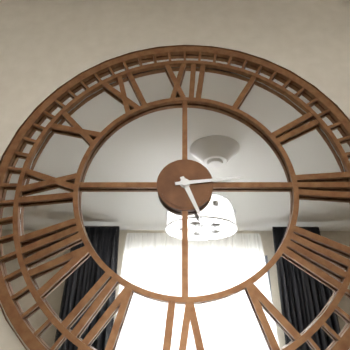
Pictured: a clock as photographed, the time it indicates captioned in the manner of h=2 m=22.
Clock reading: h=5 m=14
